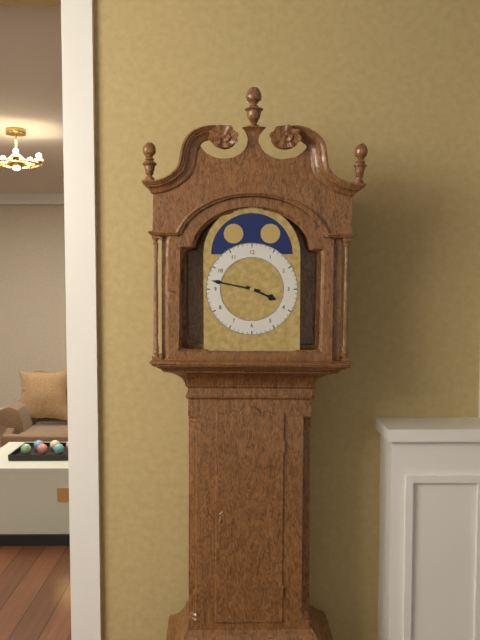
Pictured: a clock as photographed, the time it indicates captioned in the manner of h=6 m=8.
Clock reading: h=3 m=47
